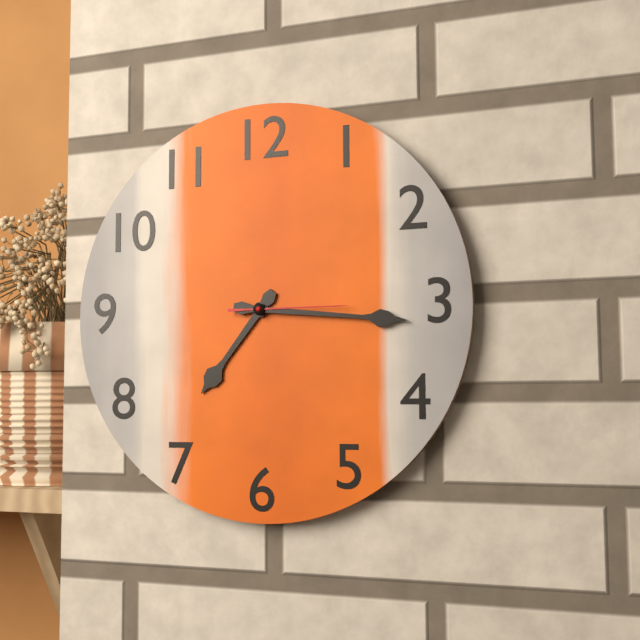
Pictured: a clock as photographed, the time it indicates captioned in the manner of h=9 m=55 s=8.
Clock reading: h=7 m=16 s=15
